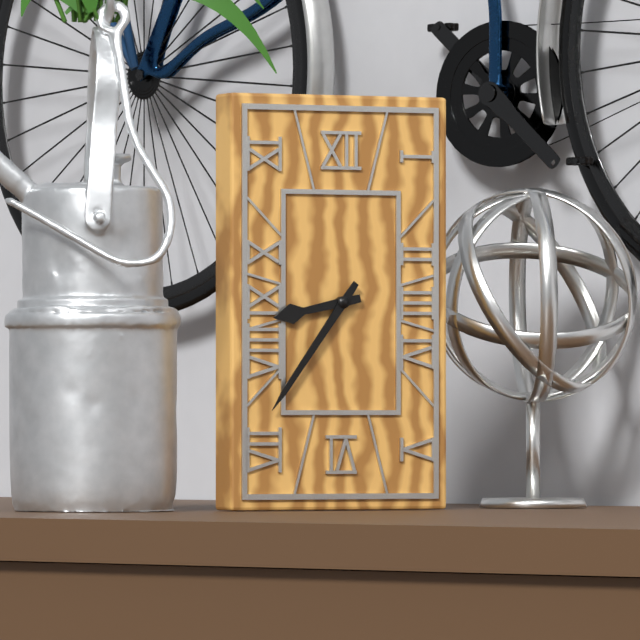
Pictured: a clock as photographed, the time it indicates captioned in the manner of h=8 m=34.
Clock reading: h=8 m=36
